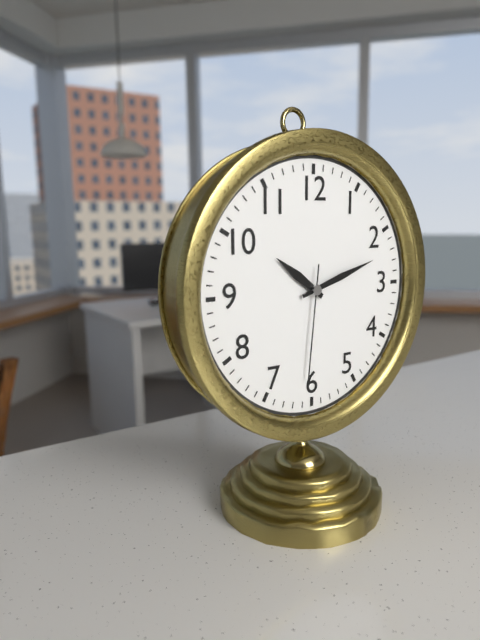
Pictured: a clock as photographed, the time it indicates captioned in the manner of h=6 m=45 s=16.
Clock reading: h=10 m=12 s=31
